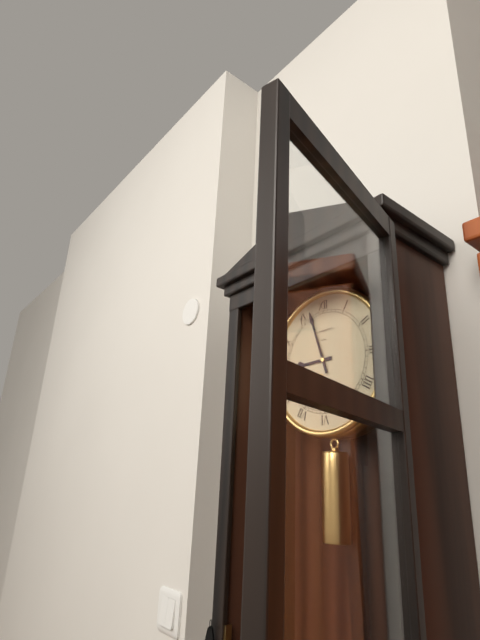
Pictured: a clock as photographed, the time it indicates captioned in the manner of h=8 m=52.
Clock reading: h=8 m=57
